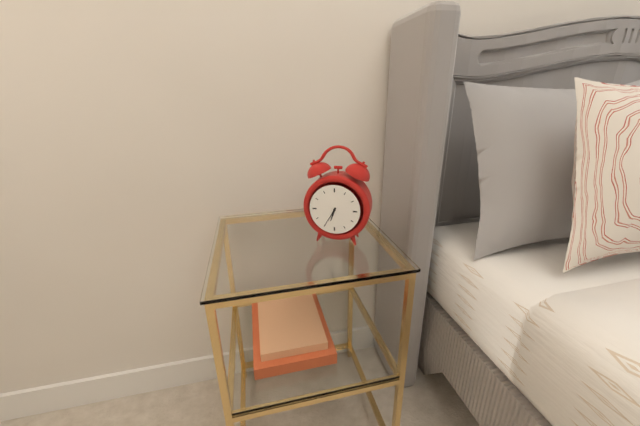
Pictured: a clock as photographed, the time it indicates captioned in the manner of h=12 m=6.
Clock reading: h=6 m=35
